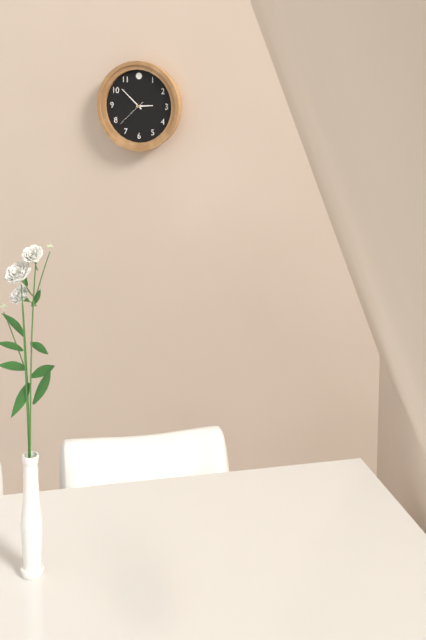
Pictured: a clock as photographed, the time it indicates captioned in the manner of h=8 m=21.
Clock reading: h=2 m=52
